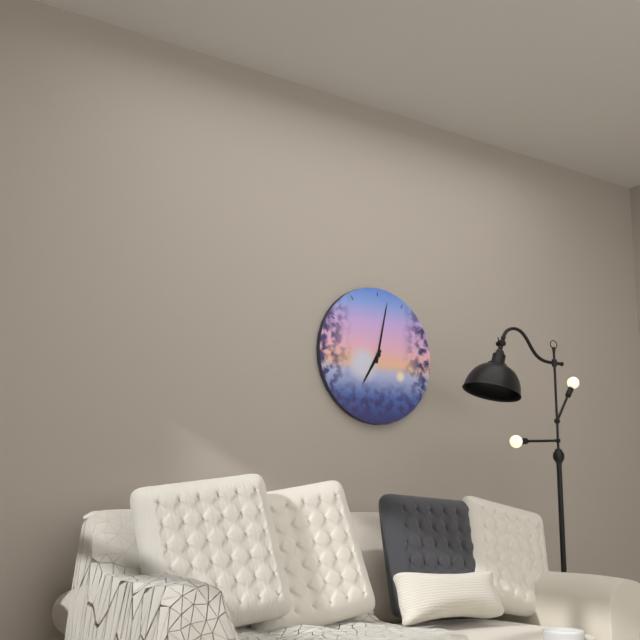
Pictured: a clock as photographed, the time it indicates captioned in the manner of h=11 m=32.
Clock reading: h=7 m=2
